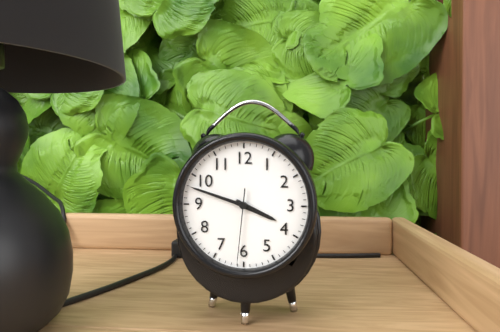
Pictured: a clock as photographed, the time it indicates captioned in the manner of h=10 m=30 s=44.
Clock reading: h=3 m=48 s=31
